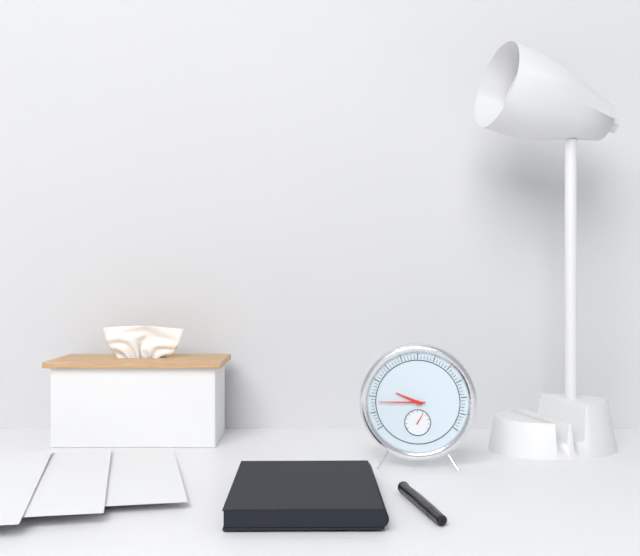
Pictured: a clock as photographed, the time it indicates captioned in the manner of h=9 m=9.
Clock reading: h=9 m=45
